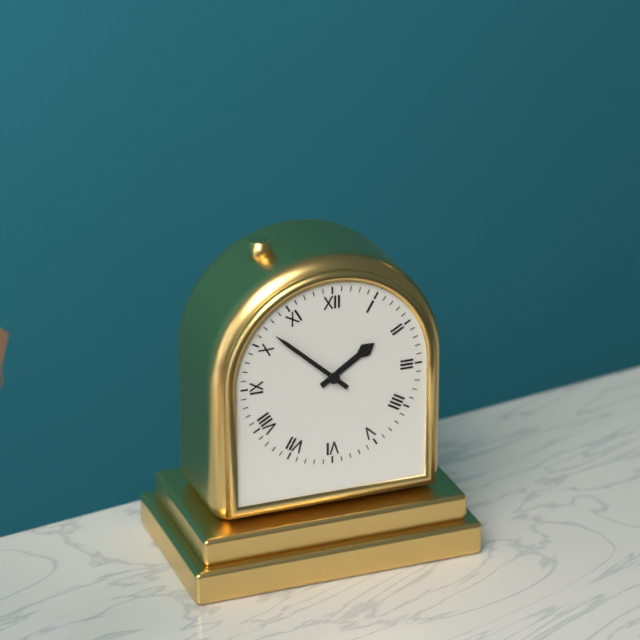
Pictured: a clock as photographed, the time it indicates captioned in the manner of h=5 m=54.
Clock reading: h=1 m=52
